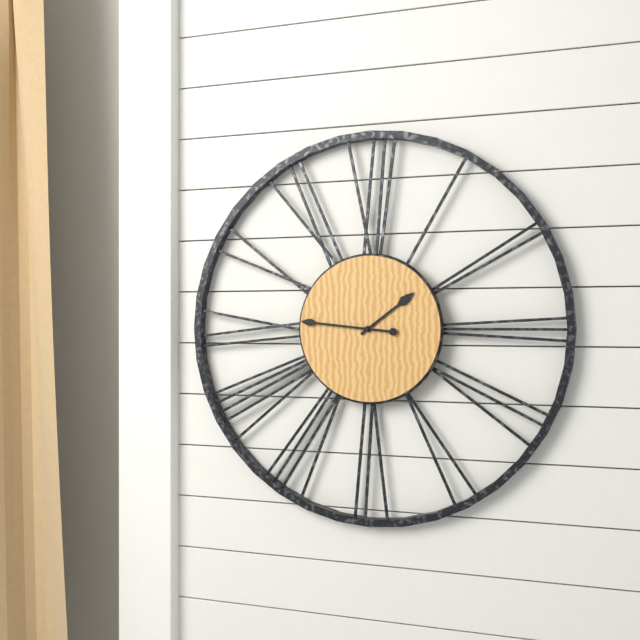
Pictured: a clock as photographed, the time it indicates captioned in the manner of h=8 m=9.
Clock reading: h=1 m=46
